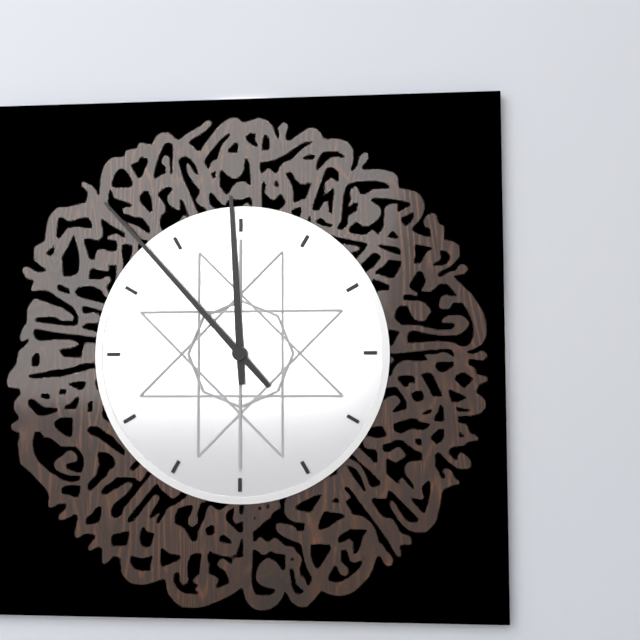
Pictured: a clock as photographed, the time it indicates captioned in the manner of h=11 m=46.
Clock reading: h=11 m=53
